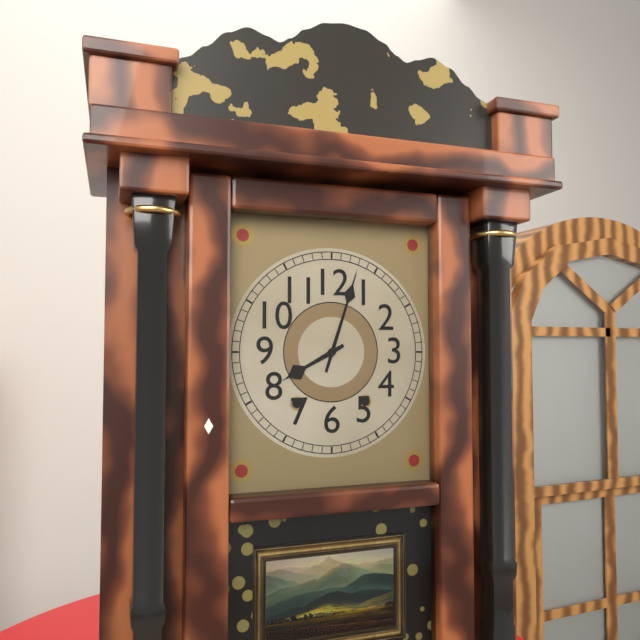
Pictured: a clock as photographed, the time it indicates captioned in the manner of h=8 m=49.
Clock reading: h=8 m=3
